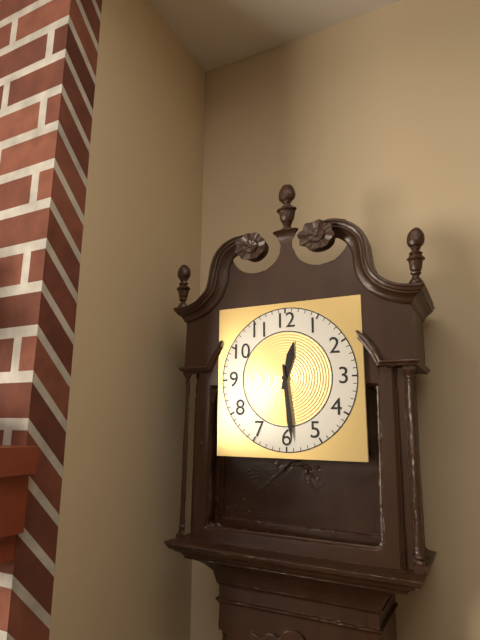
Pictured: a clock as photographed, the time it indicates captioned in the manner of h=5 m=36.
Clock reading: h=12 m=29
